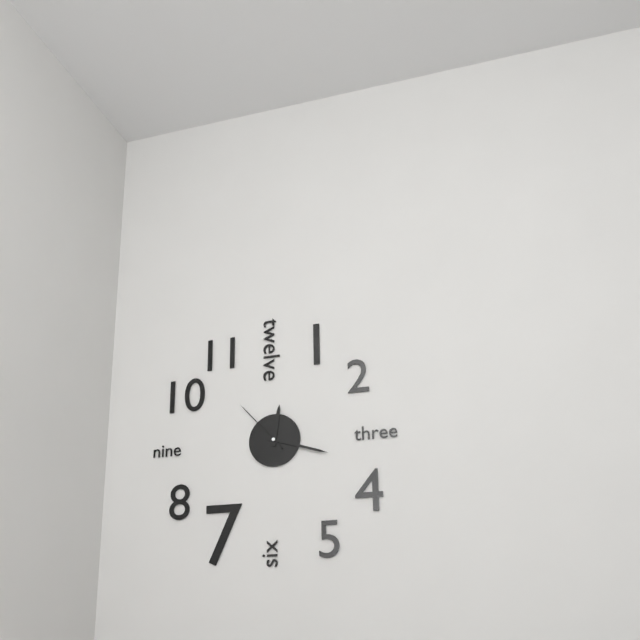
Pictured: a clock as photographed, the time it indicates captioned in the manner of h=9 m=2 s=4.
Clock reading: h=12 m=18 s=53
